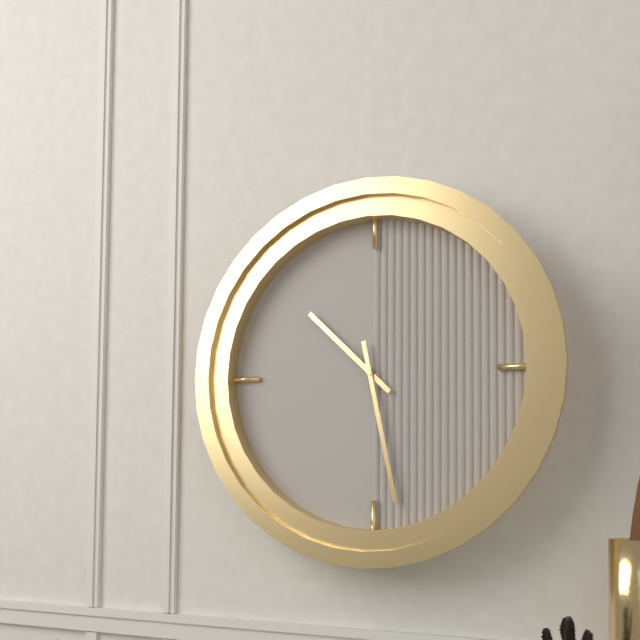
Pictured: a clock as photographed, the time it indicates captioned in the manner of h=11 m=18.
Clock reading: h=10 m=28
